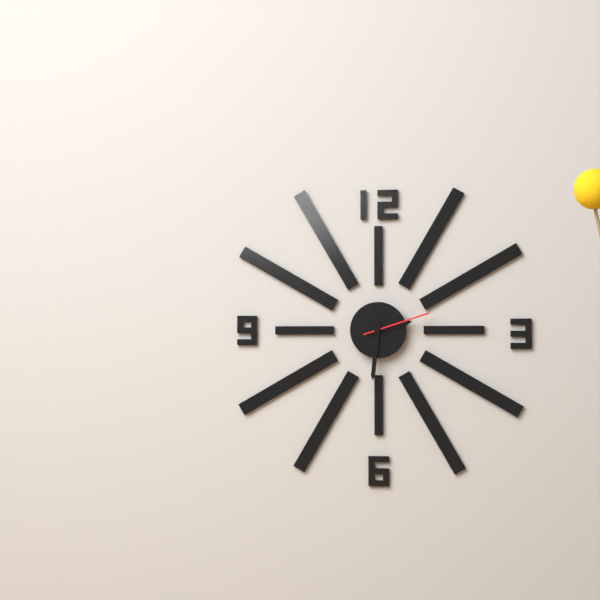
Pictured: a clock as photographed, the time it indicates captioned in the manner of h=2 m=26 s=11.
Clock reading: h=2 m=31 s=12
